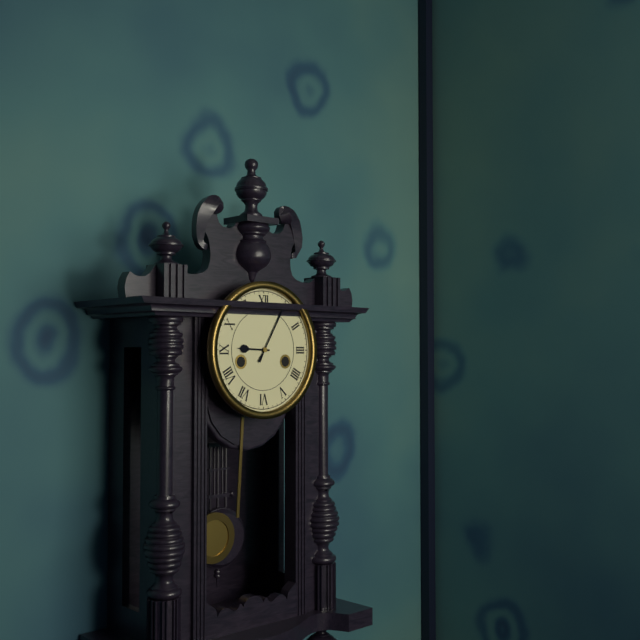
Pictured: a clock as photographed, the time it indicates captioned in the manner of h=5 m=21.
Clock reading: h=9 m=5
